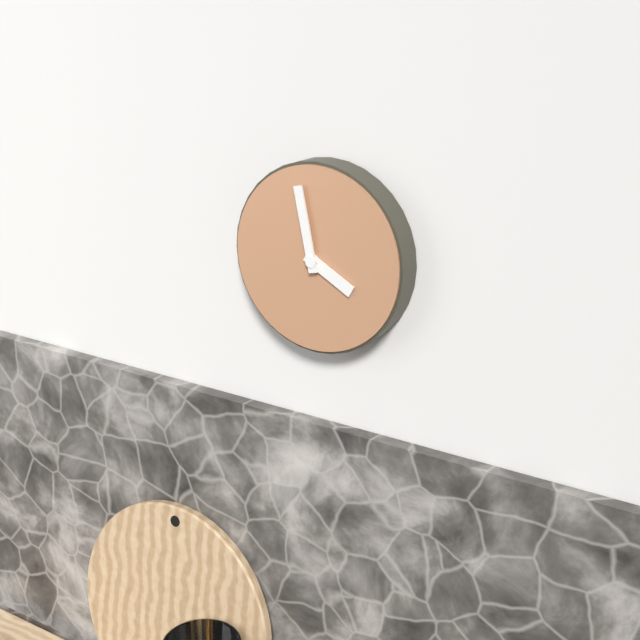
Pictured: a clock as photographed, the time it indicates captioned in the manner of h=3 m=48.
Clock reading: h=3 m=58
